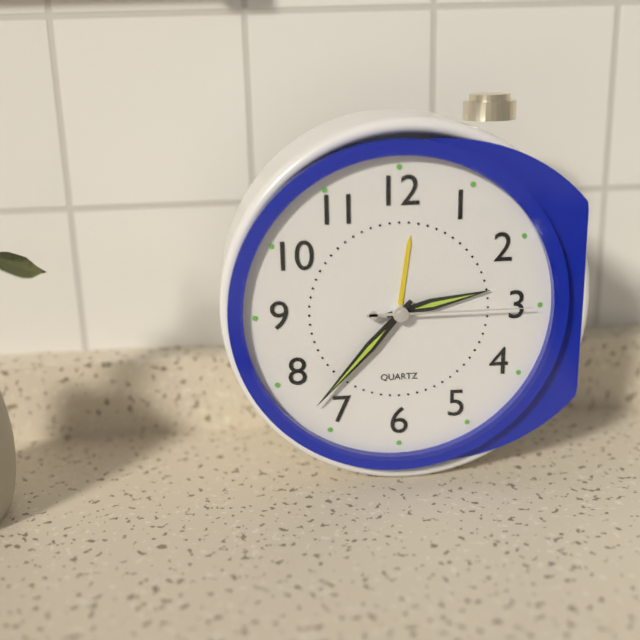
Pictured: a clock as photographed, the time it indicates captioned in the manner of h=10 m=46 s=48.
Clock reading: h=2 m=37 s=15
